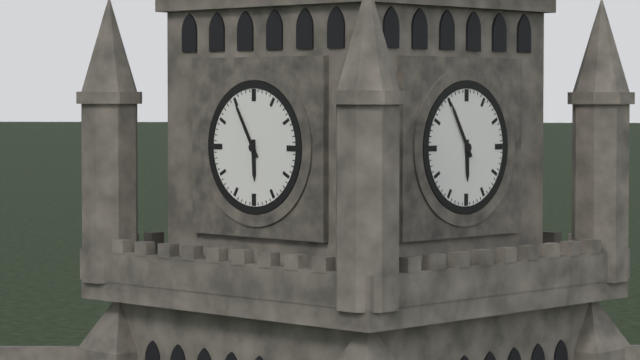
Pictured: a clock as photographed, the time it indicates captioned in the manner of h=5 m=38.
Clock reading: h=5 m=55
